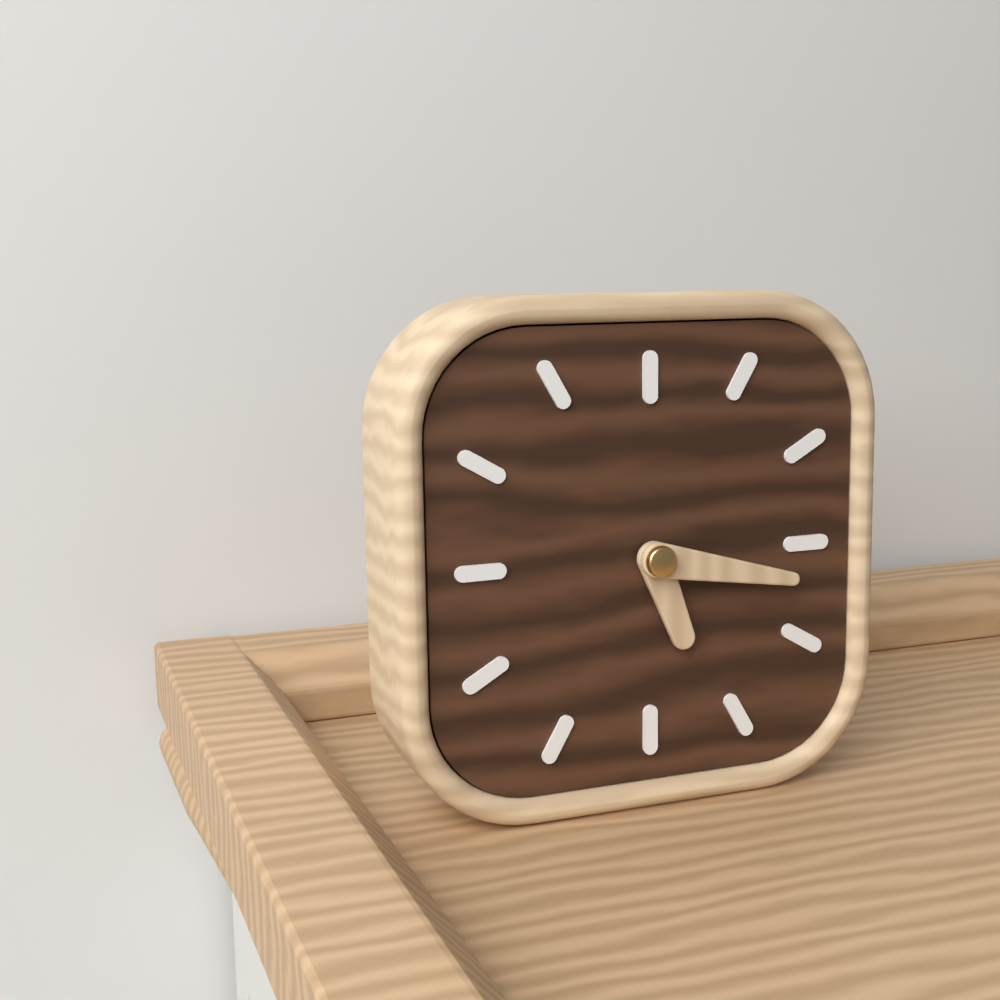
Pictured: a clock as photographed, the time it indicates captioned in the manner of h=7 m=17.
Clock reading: h=5 m=17
